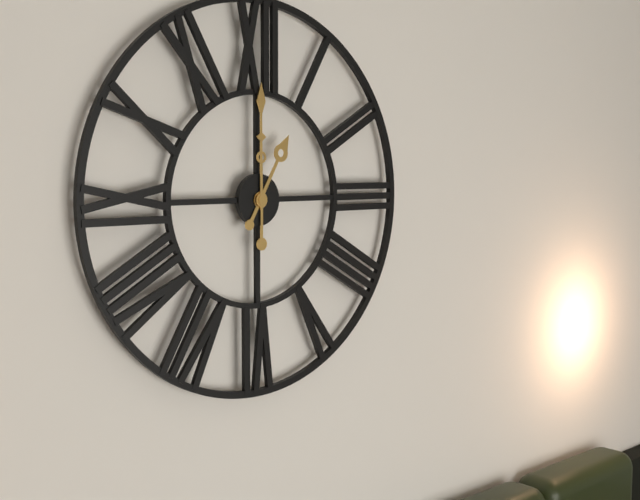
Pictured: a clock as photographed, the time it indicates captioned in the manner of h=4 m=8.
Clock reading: h=1 m=0
